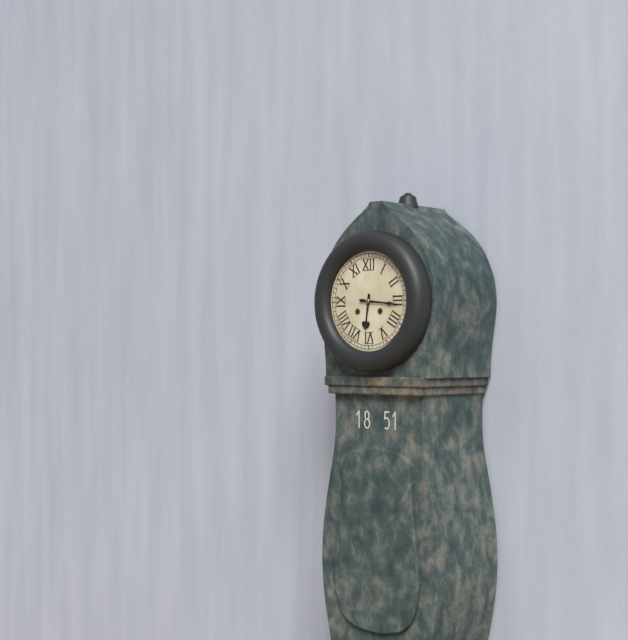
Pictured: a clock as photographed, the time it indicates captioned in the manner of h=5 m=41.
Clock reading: h=6 m=16
